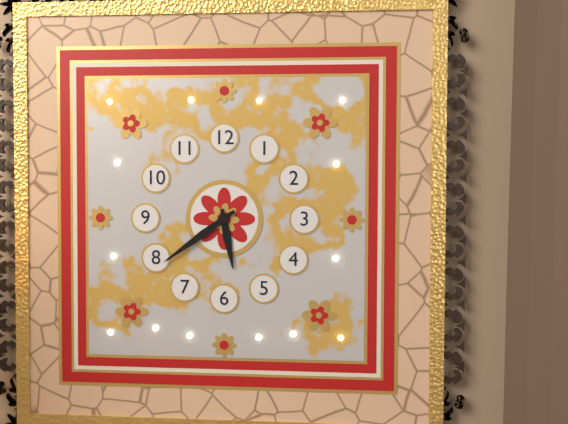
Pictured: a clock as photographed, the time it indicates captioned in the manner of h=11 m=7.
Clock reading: h=5 m=39
